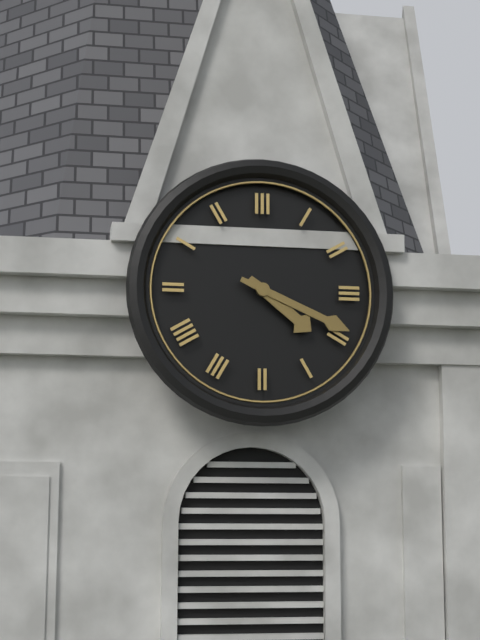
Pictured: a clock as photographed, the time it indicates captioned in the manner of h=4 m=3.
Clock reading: h=4 m=19
